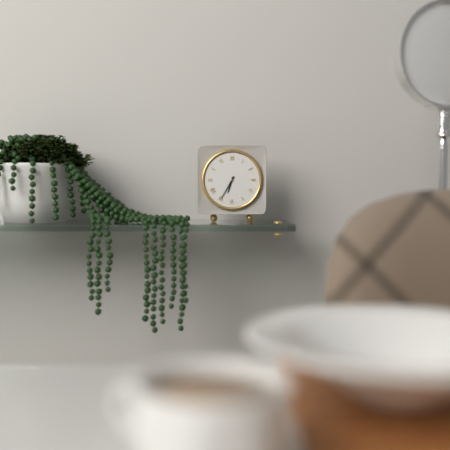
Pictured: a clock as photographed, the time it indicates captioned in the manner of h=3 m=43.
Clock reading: h=6 m=35
